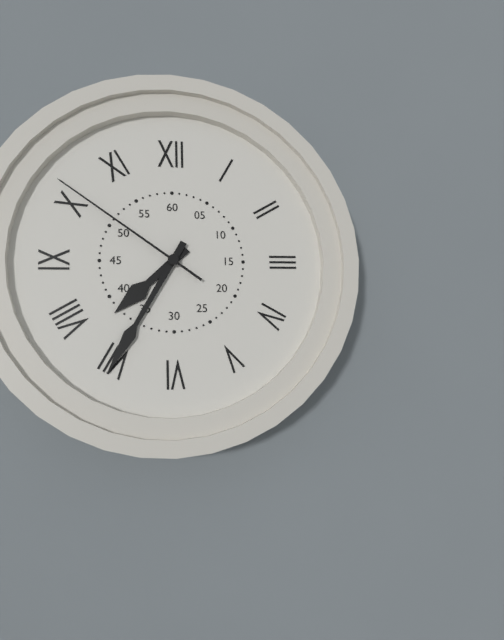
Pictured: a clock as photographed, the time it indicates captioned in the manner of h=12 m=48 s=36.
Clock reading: h=7 m=35 s=51
